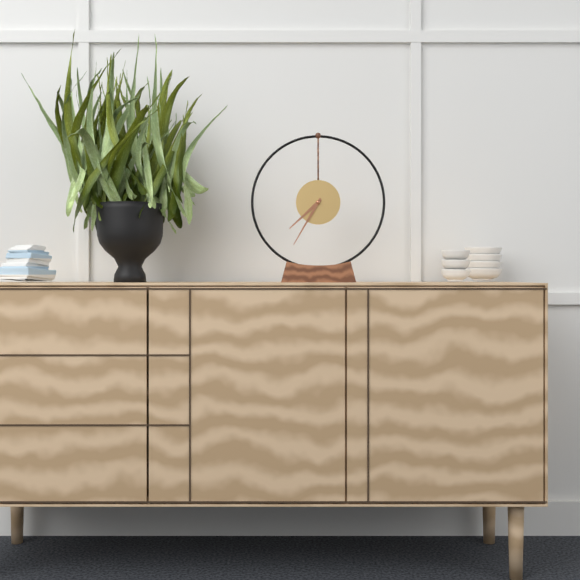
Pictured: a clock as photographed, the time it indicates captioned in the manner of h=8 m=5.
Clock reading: h=7 m=35
